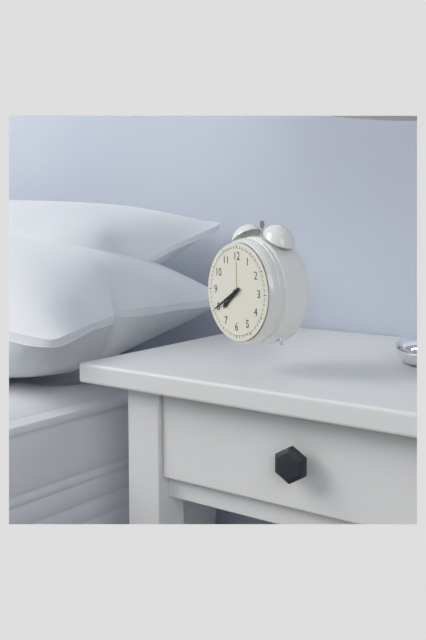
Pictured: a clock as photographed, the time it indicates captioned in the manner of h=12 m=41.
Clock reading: h=7 m=40
